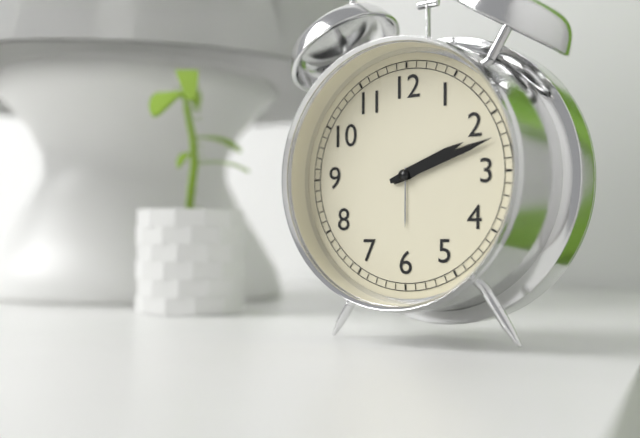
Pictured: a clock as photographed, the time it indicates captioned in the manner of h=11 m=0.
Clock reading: h=2 m=12
